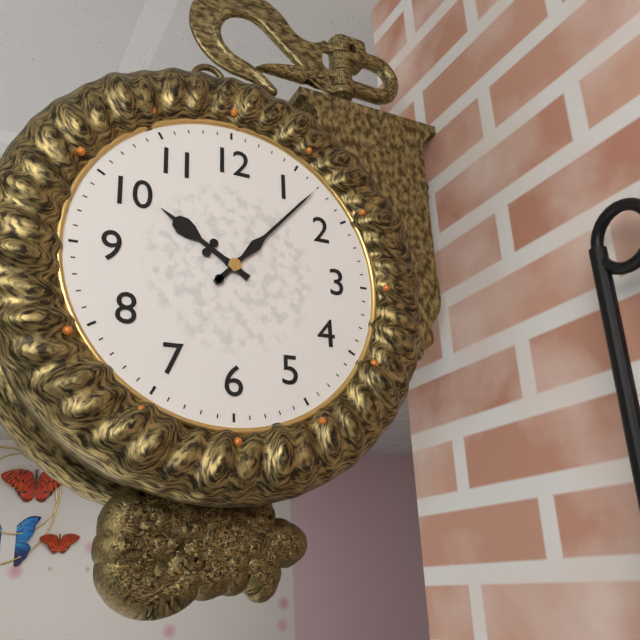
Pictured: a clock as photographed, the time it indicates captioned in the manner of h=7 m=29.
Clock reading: h=10 m=7
